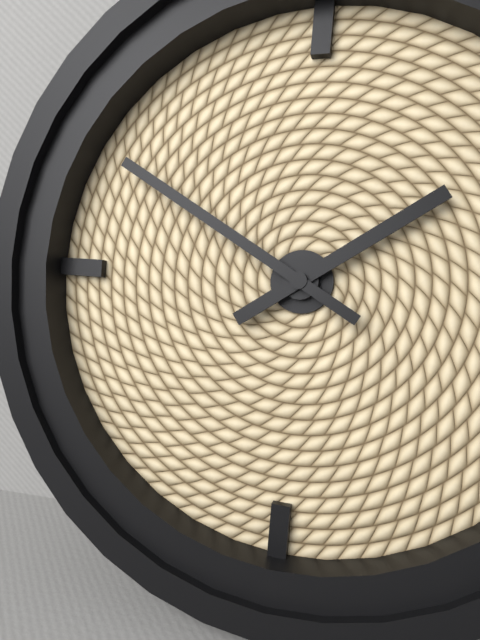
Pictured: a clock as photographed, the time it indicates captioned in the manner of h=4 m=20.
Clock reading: h=1 m=50
